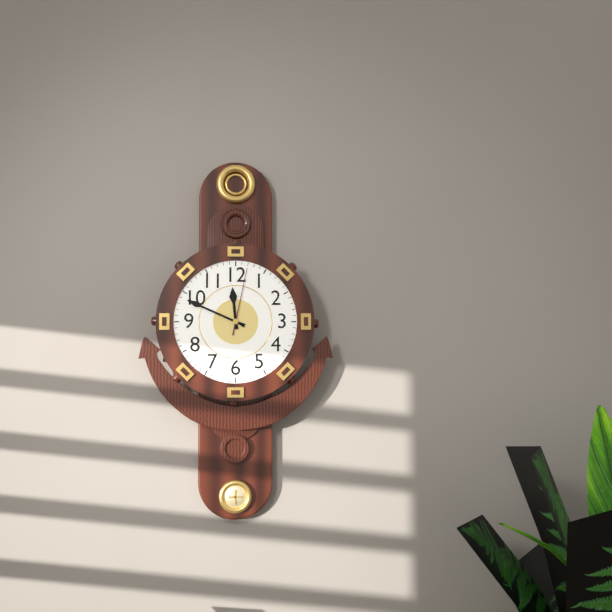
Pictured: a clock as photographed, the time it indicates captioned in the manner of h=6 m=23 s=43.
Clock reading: h=11 m=49 s=2
